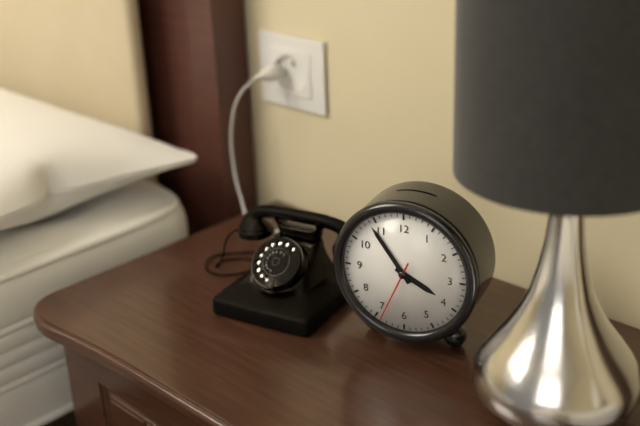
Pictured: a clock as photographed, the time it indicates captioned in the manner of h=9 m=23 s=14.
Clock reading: h=3 m=54 s=34
